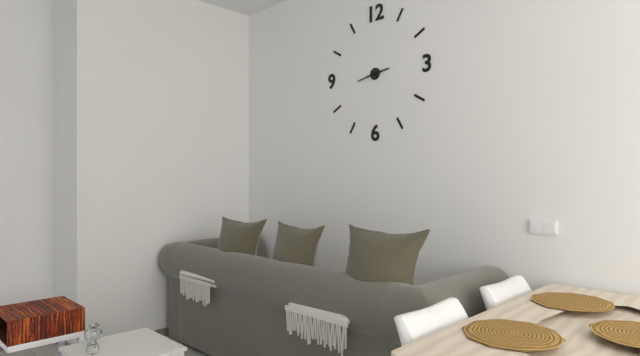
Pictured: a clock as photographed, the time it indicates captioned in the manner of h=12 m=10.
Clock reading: h=2 m=43
